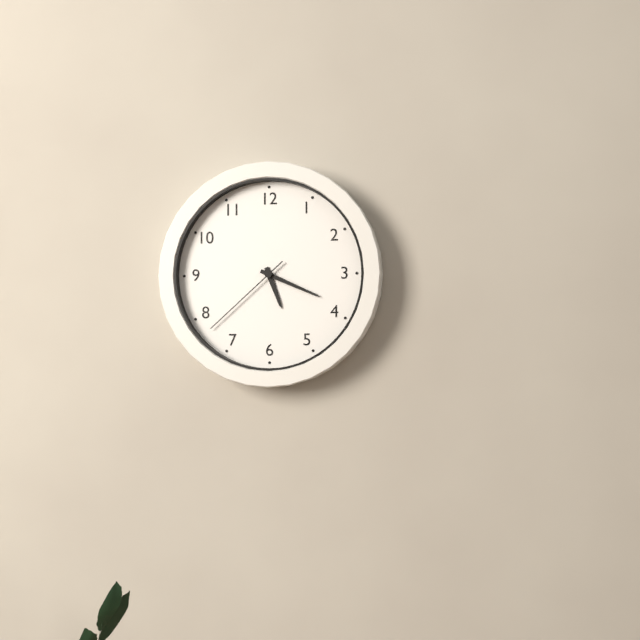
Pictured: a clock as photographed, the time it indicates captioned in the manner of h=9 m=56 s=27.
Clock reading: h=5 m=19 s=38
